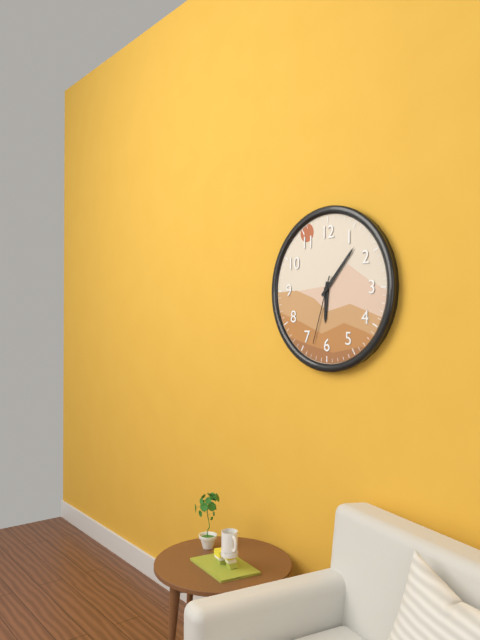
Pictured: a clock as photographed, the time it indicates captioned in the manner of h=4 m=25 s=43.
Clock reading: h=6 m=7 s=33
